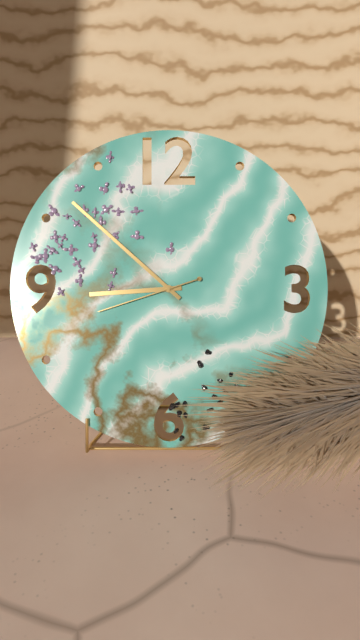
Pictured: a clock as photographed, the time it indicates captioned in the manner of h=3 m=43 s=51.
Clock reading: h=8 m=52 s=42
